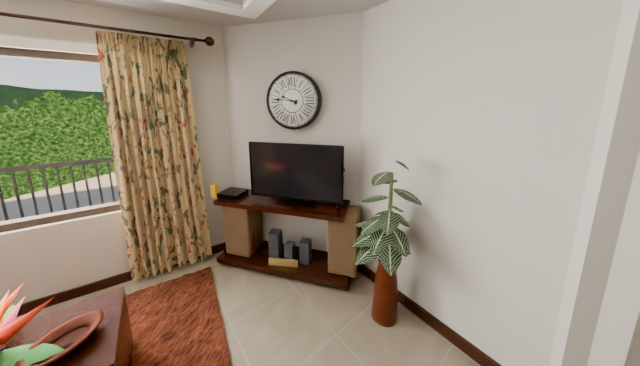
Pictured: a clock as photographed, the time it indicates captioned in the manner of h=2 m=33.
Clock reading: h=9 m=46
